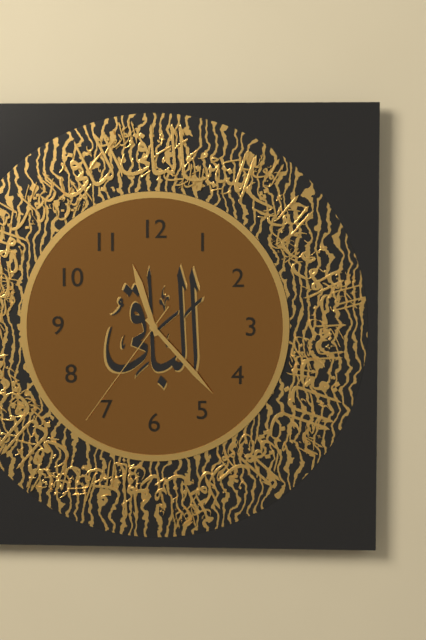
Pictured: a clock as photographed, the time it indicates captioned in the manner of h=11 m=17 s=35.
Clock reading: h=11 m=23 s=36
